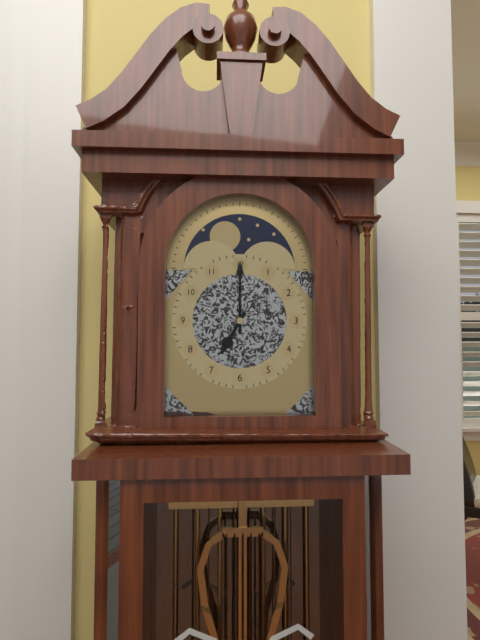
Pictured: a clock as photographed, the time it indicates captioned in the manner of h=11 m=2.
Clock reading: h=7 m=0
